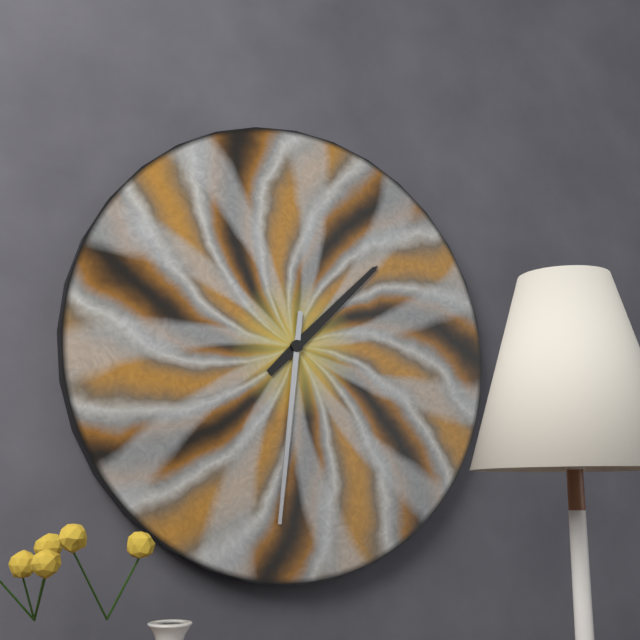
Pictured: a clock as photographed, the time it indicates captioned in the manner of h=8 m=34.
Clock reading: h=1 m=31
